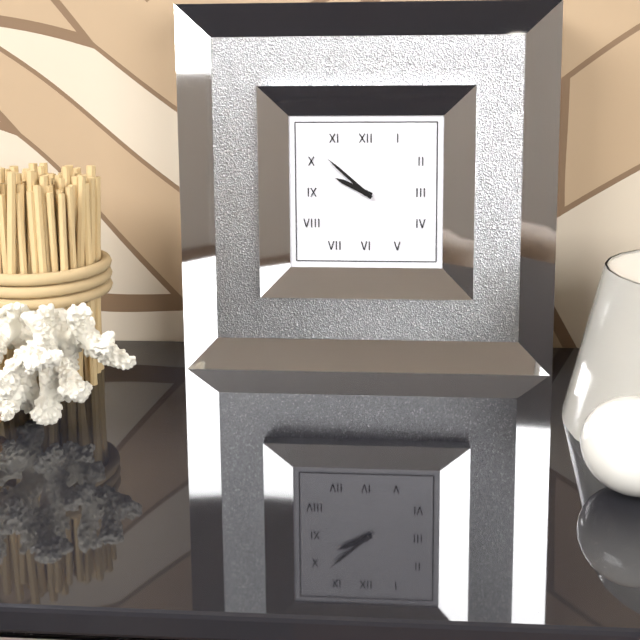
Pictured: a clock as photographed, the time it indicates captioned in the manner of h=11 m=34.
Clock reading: h=9 m=52
